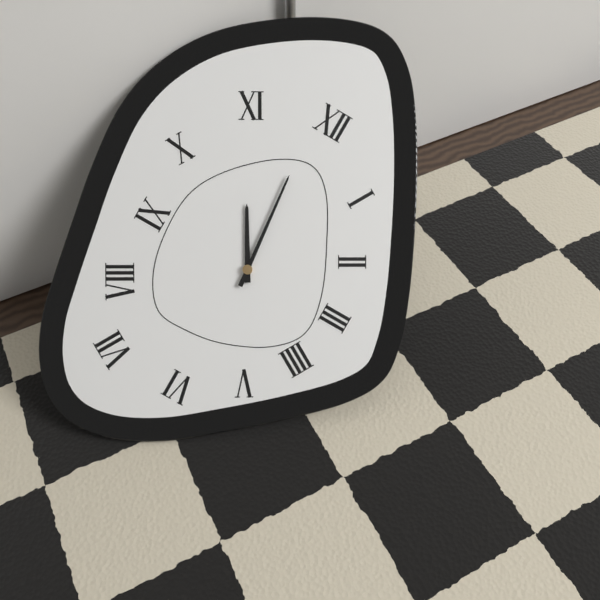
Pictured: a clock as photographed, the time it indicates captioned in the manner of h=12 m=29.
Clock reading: h=10 m=59
